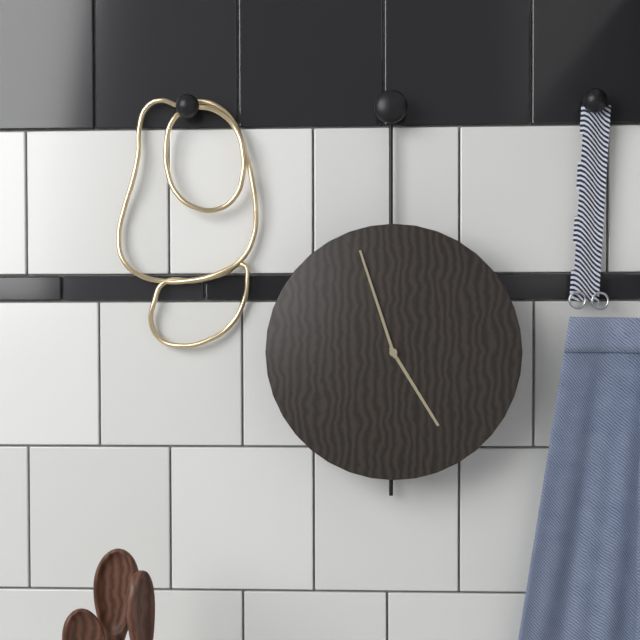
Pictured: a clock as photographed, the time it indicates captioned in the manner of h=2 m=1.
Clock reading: h=4 m=57
